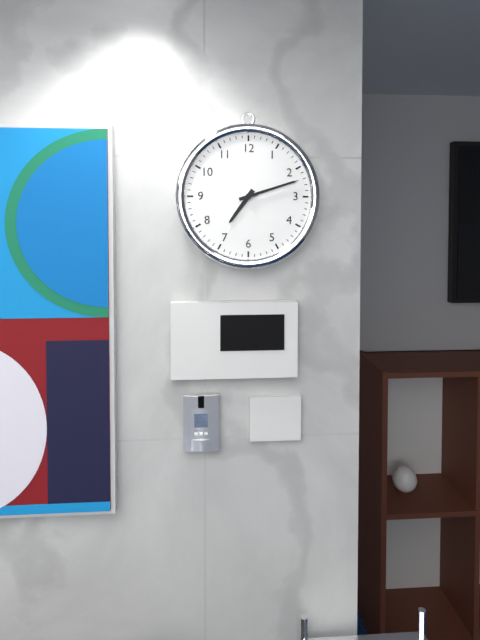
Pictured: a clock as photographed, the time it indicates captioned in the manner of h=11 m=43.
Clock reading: h=7 m=12
